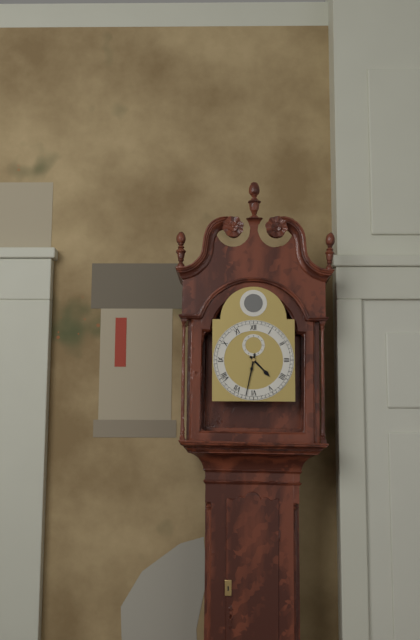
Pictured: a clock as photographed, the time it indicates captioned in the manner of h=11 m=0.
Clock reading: h=4 m=32
